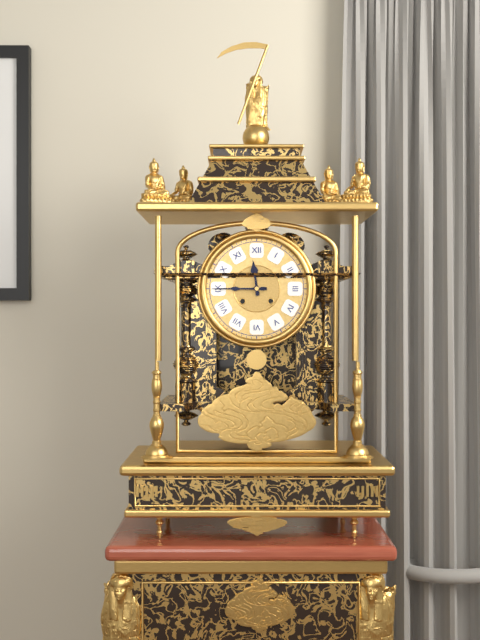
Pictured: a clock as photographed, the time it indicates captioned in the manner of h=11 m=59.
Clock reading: h=11 m=45
